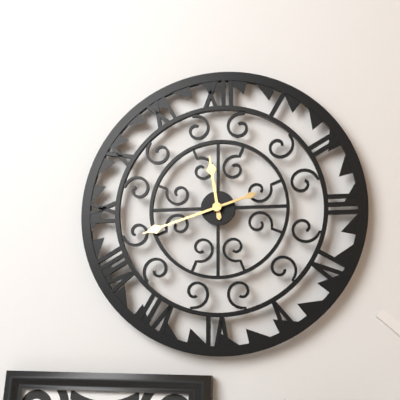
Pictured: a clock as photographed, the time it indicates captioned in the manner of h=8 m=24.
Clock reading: h=11 m=42
